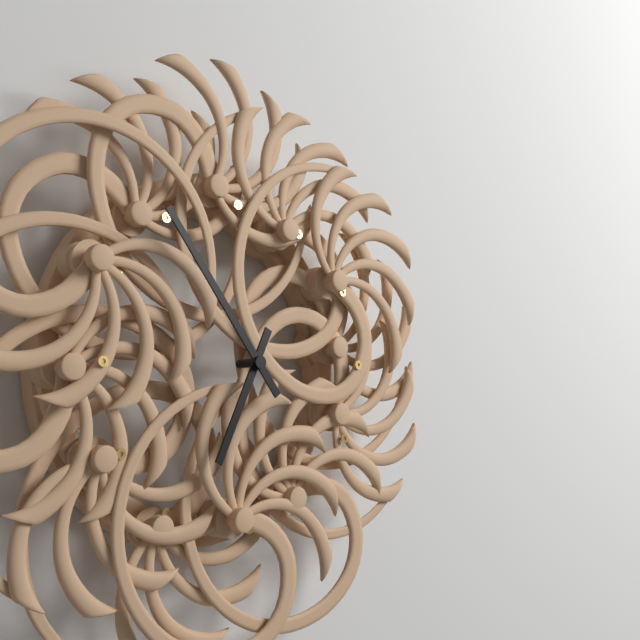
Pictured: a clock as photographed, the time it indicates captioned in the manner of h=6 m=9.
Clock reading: h=6 m=54
